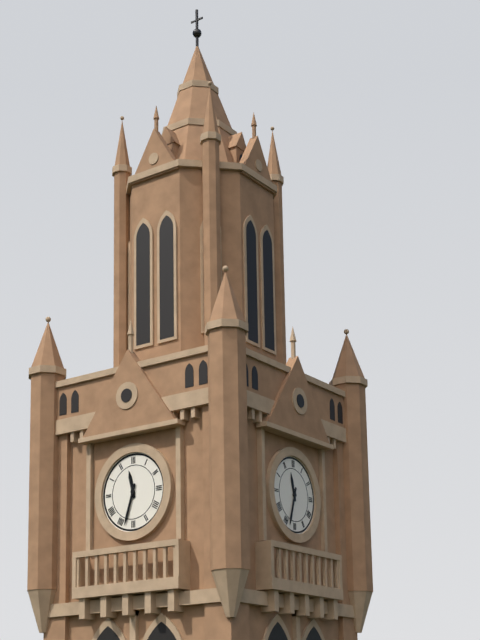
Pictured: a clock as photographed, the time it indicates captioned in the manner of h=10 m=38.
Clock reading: h=11 m=33
